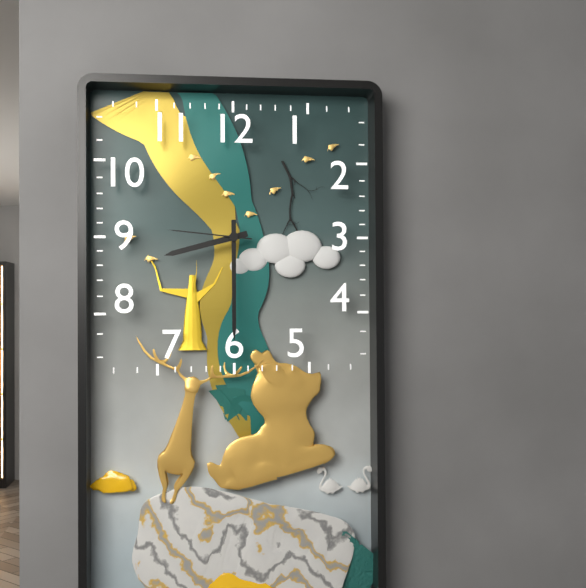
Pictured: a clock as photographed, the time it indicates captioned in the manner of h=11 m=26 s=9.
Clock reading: h=8 m=30 s=46
